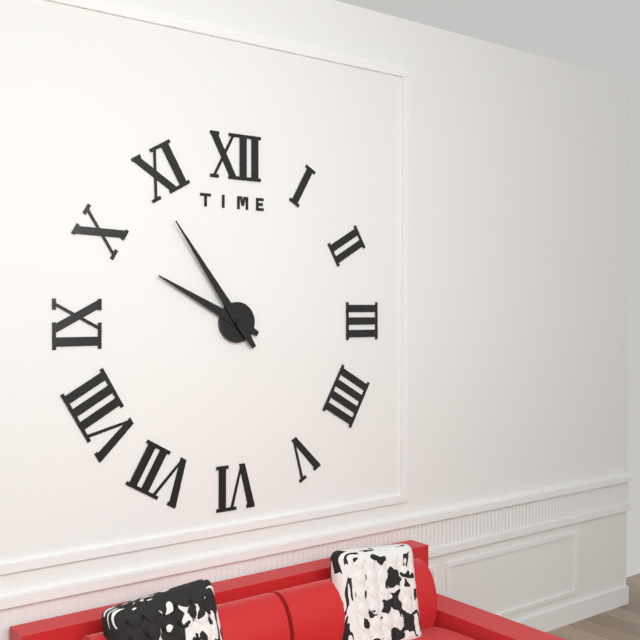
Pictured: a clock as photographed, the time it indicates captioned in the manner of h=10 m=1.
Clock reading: h=9 m=54
